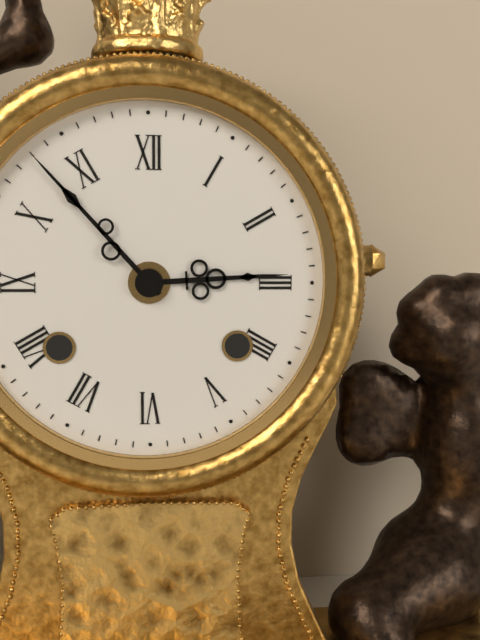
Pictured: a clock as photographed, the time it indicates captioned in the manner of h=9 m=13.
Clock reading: h=2 m=53
